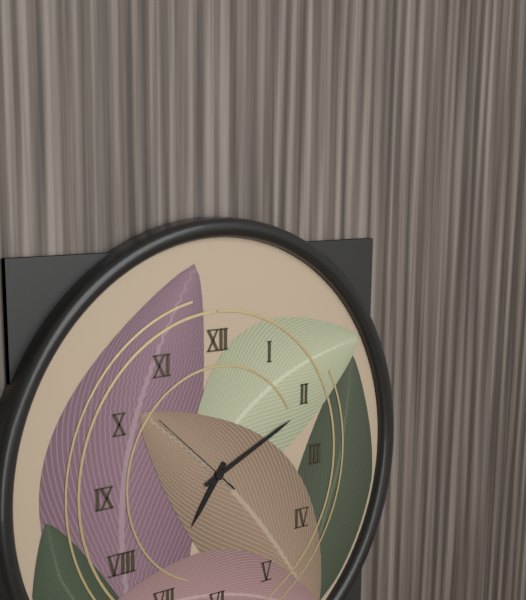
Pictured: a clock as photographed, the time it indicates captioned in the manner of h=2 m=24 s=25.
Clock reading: h=7 m=11 s=52
